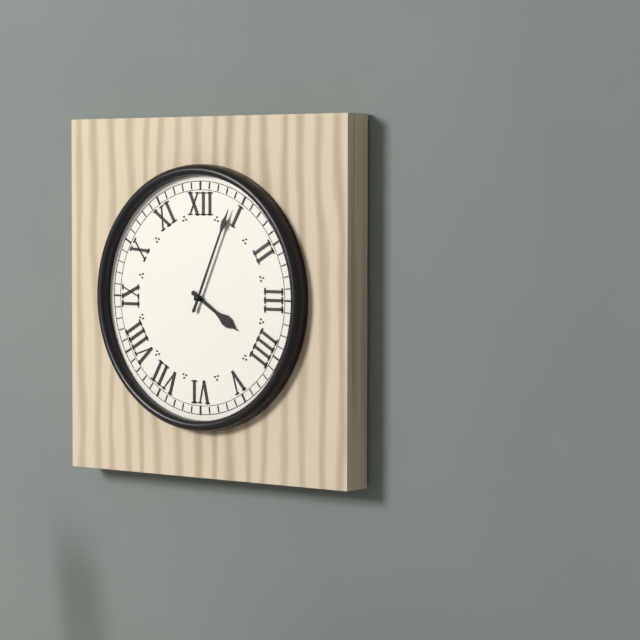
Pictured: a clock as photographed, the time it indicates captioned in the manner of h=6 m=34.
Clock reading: h=4 m=4
